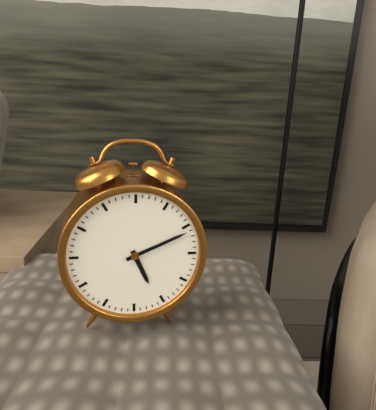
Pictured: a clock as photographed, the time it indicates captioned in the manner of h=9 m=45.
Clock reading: h=5 m=11
